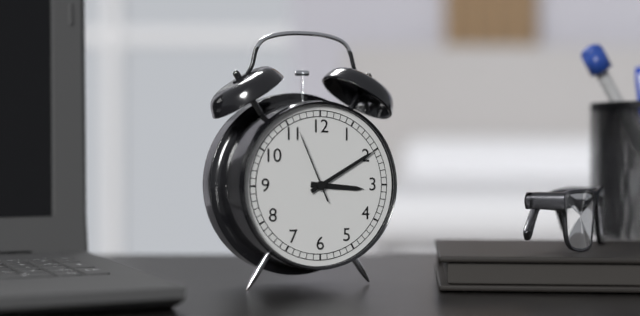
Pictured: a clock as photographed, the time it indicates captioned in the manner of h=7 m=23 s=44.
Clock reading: h=3 m=10 s=56
